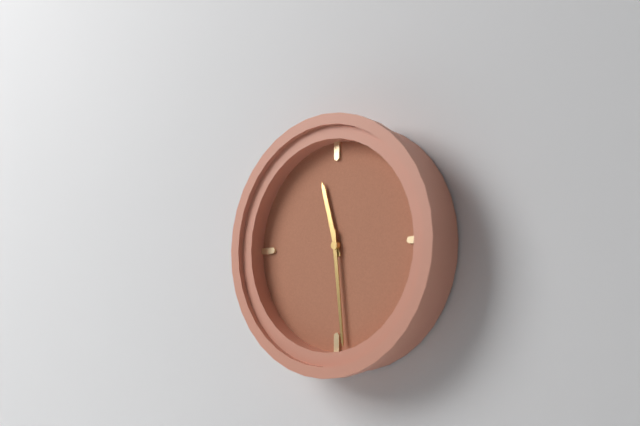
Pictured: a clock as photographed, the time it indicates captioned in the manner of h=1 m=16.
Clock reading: h=11 m=29
